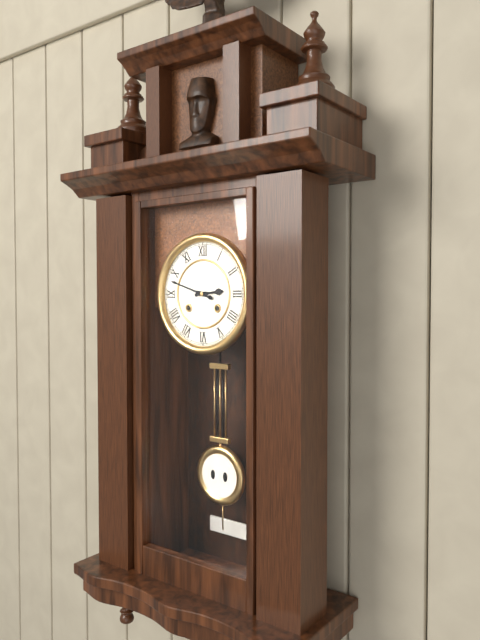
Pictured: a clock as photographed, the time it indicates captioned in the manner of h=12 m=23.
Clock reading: h=2 m=48
